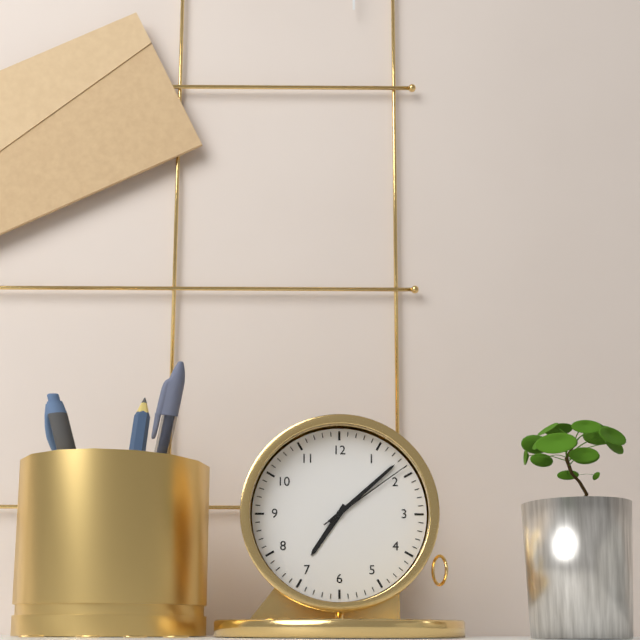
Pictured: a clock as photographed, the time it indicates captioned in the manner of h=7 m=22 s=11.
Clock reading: h=7 m=8 s=9
